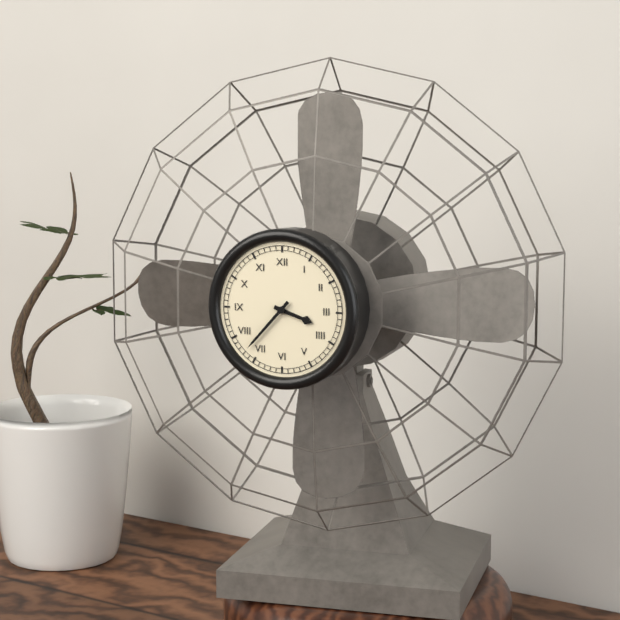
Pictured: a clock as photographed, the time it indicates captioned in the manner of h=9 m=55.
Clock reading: h=3 m=37
